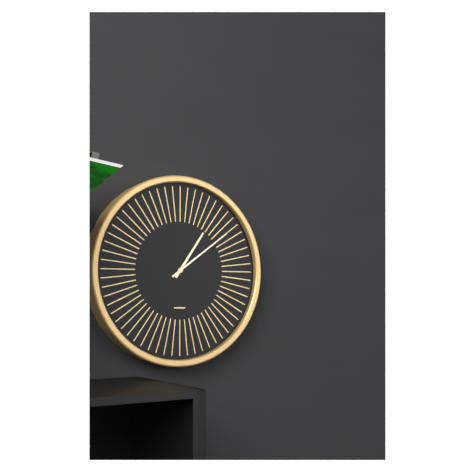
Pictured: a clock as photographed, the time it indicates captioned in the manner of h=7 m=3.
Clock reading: h=1 m=9
